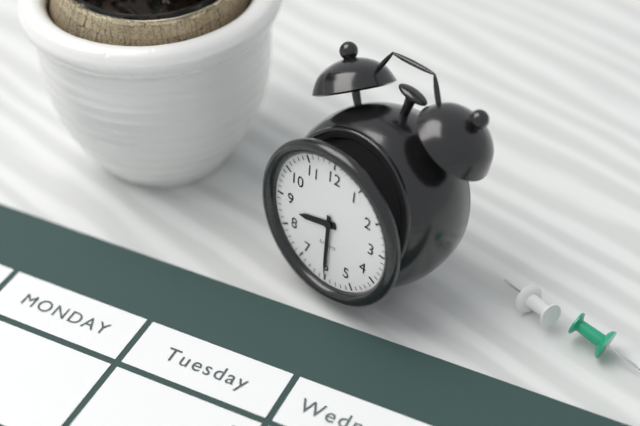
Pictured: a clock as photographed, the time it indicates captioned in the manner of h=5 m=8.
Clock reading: h=8 m=30
